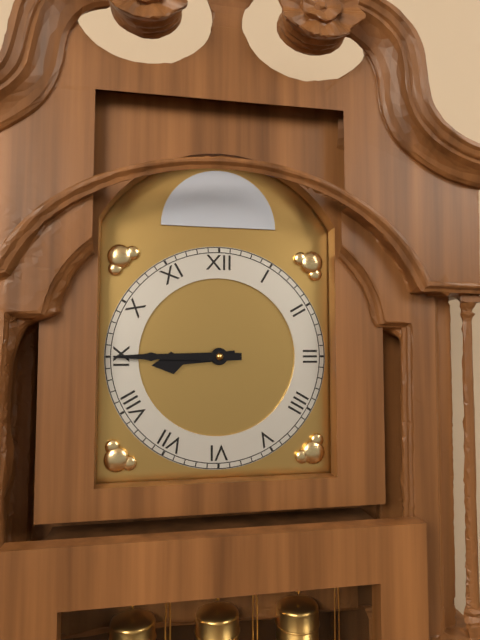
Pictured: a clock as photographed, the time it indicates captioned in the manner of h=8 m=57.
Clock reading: h=8 m=45
